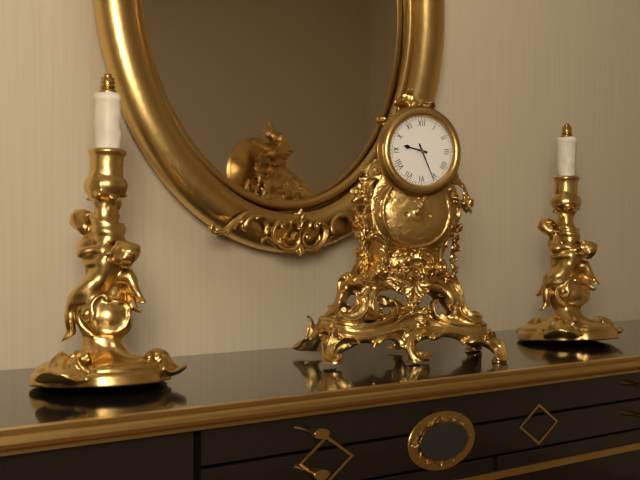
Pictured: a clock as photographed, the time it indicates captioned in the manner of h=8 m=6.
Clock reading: h=9 m=26
